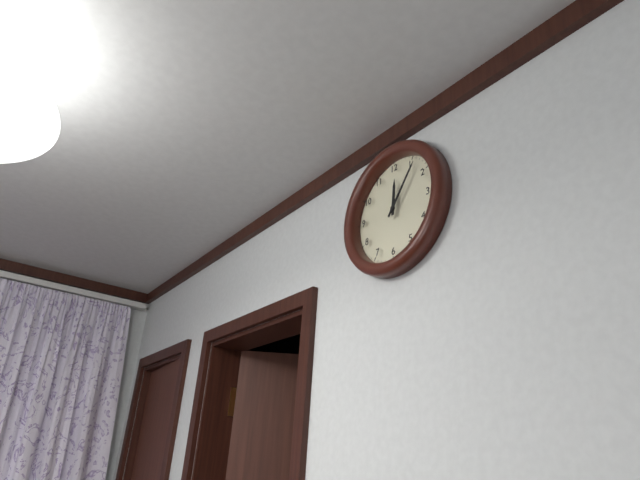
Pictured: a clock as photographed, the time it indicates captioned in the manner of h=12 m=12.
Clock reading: h=12 m=6
